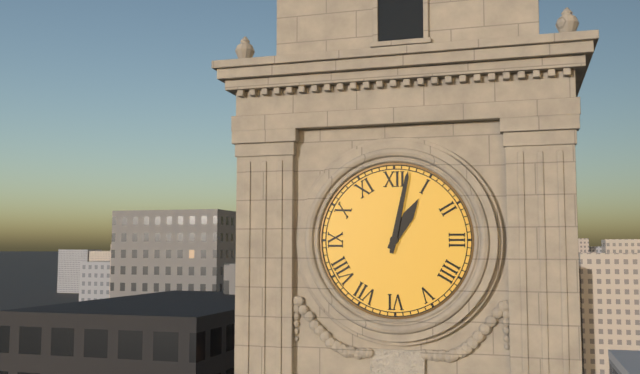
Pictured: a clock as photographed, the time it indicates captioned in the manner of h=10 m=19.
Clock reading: h=1 m=2
